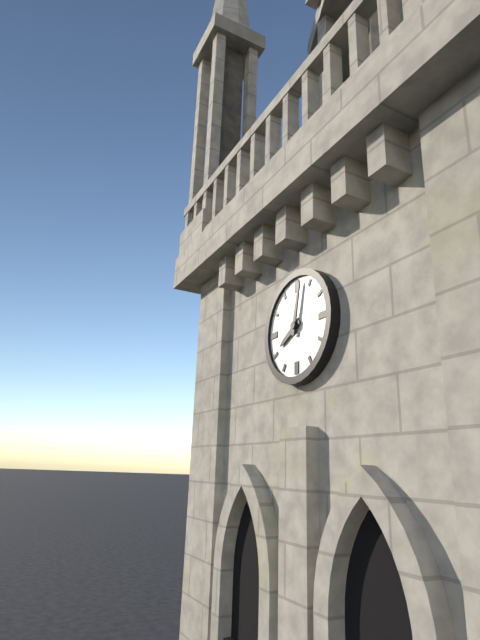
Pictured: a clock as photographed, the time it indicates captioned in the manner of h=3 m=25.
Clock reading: h=8 m=2
